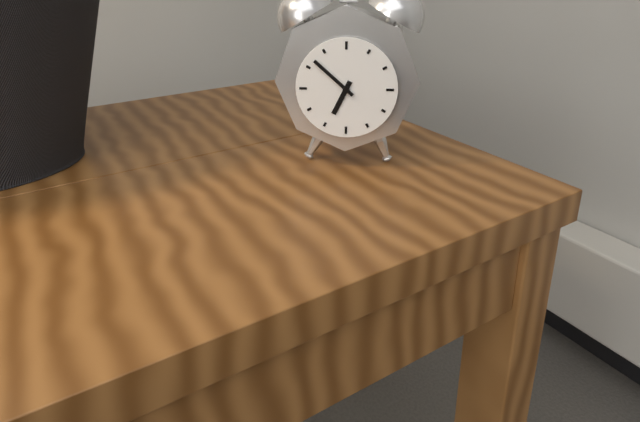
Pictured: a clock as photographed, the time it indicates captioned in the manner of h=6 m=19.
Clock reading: h=6 m=52
